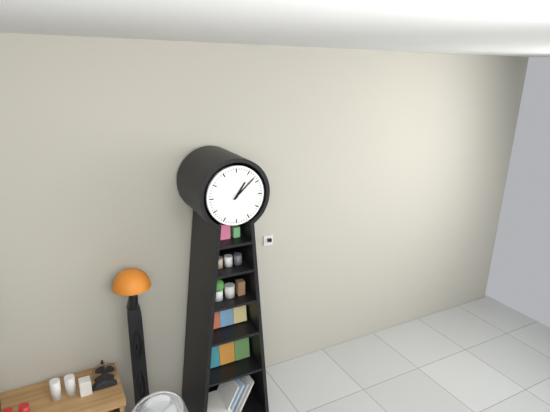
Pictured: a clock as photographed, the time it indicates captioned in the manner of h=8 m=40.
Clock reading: h=1 m=8
